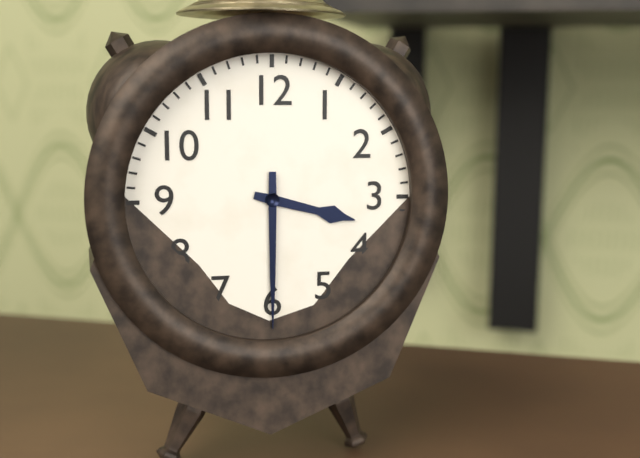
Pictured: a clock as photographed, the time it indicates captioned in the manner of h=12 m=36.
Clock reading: h=3 m=30
